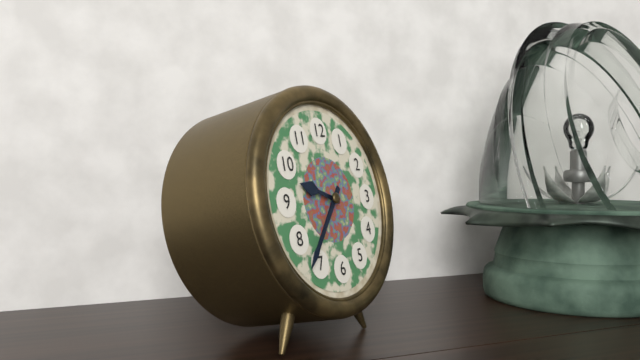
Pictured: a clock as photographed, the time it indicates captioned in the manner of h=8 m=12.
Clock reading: h=9 m=37
